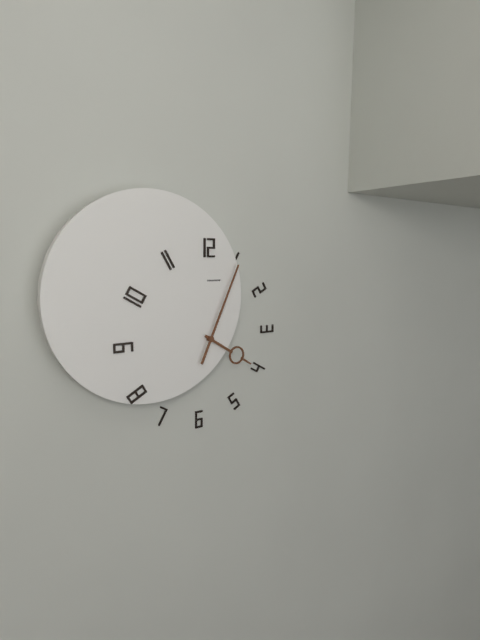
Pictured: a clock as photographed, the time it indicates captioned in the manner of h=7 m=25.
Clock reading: h=4 m=4
